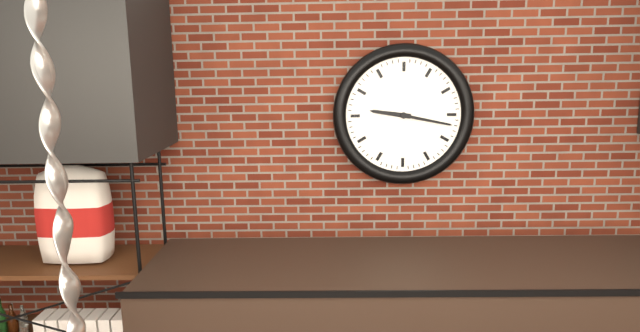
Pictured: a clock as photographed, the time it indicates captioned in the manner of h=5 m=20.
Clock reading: h=9 m=17
